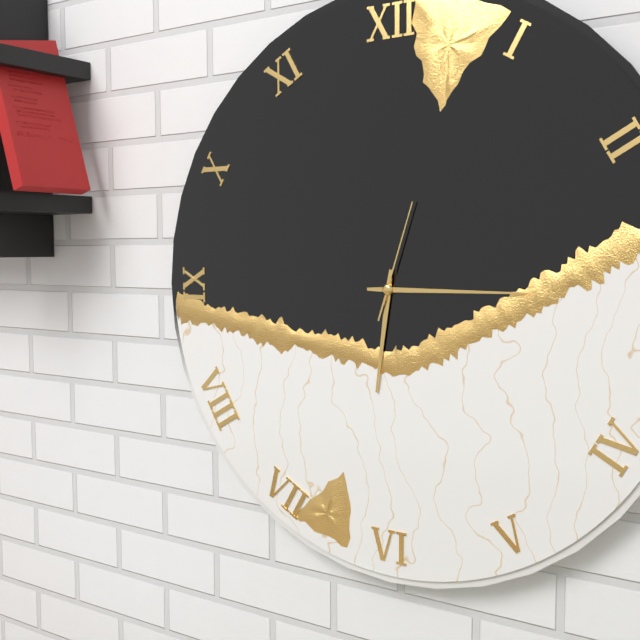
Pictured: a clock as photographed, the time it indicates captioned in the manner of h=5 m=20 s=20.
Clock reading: h=6 m=15 s=3
